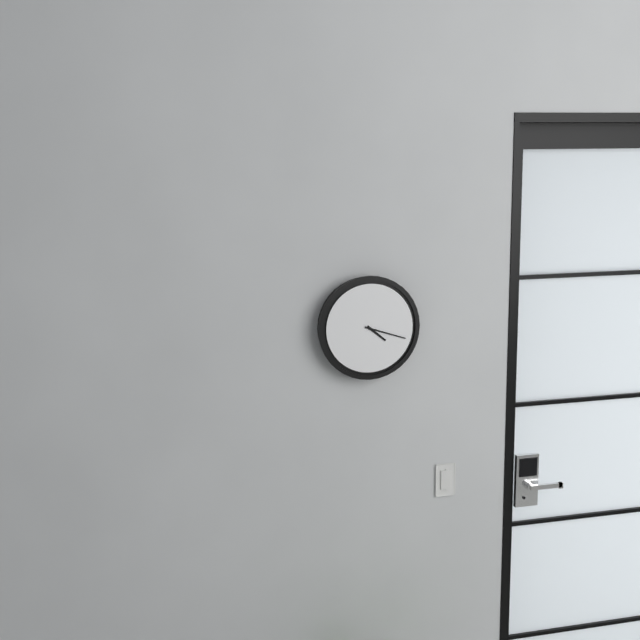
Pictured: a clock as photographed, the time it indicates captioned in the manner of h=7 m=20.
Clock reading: h=4 m=18
